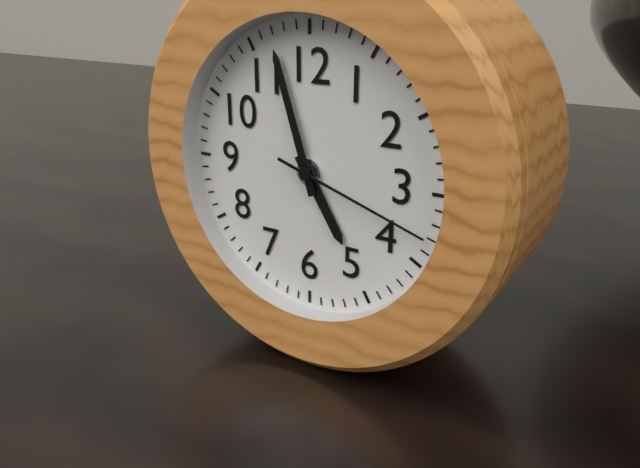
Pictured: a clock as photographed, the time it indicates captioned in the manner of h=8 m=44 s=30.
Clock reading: h=4 m=57 s=18
